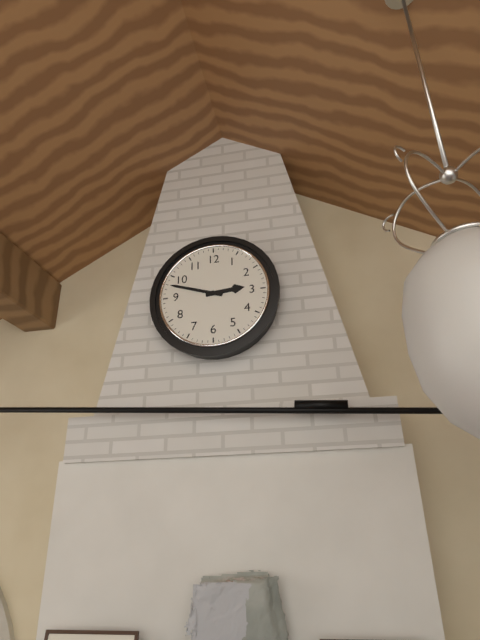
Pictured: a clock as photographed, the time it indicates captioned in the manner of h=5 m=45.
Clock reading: h=2 m=48
